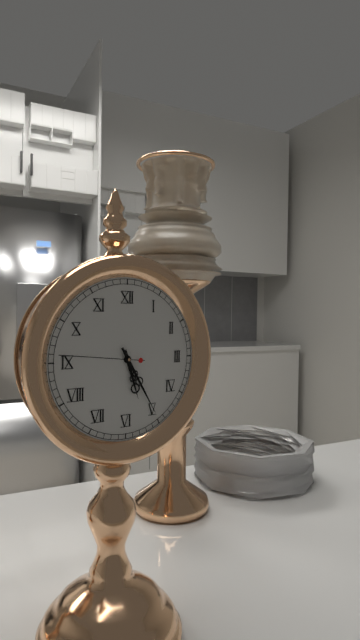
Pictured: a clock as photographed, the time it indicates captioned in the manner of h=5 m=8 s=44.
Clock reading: h=5 m=25 s=46
